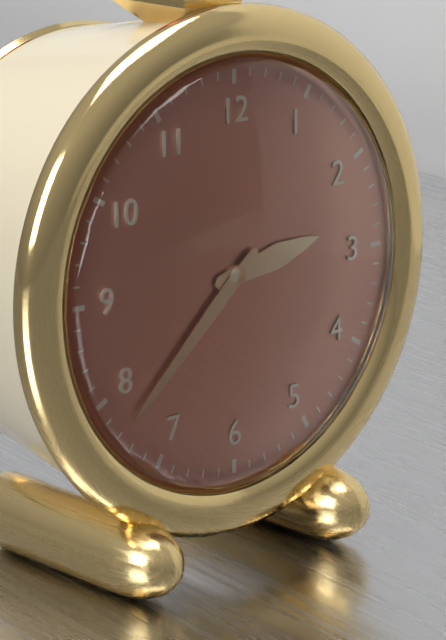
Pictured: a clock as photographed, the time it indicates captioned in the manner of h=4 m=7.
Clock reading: h=2 m=38
